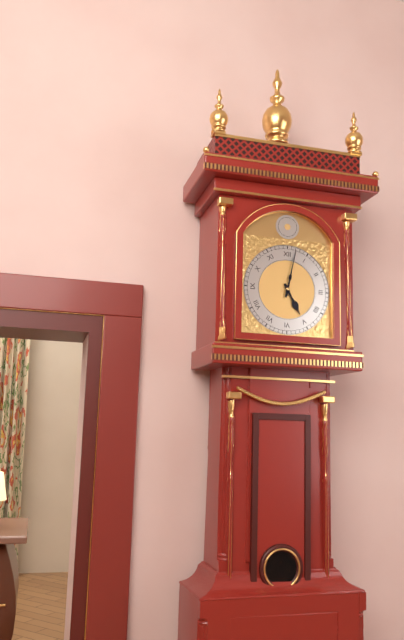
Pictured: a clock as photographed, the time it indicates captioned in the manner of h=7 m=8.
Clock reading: h=5 m=2
